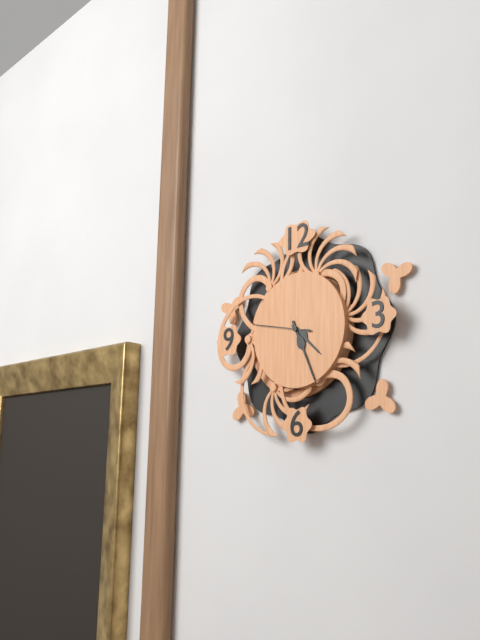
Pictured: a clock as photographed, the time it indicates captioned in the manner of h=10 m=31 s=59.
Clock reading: h=4 m=26 s=47
